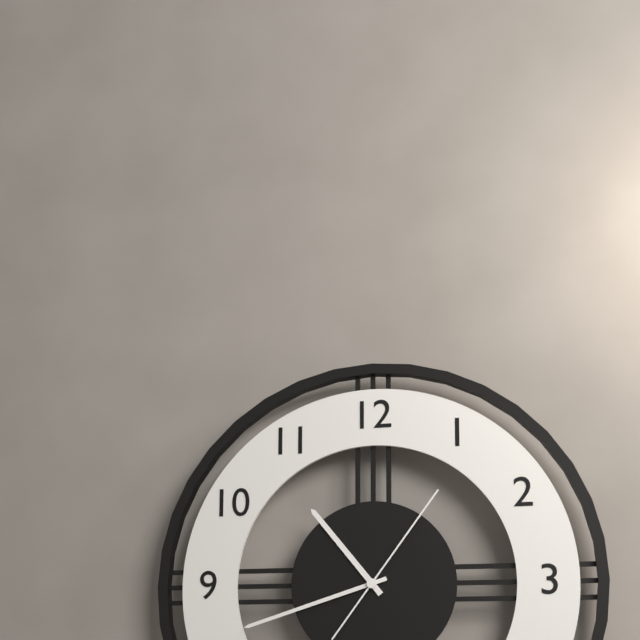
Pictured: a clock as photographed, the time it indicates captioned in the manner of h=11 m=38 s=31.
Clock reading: h=10 m=42 s=6
